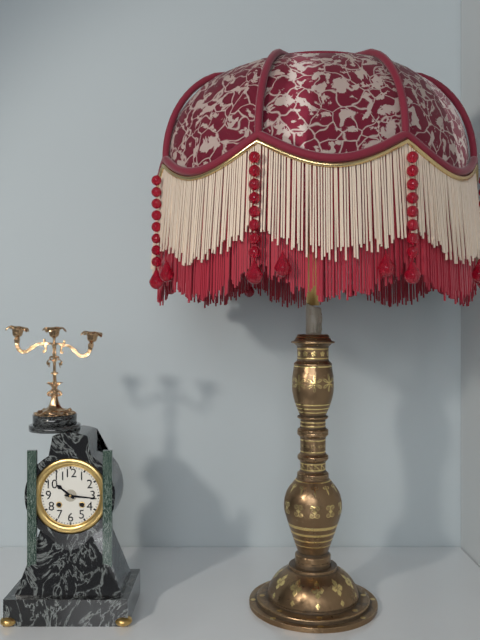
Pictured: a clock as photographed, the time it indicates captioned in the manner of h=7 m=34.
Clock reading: h=10 m=16
